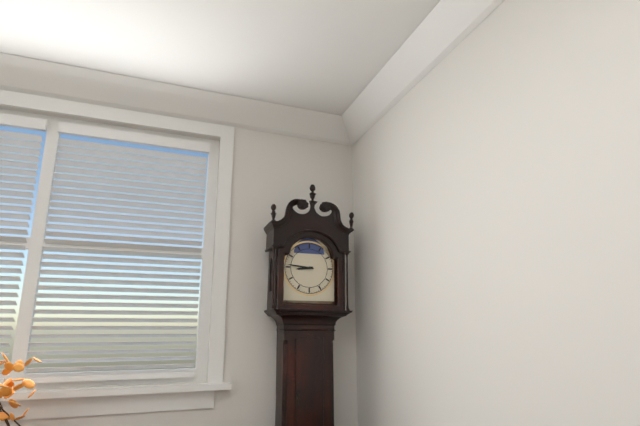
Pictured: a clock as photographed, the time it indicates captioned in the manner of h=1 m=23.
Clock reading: h=8 m=46
